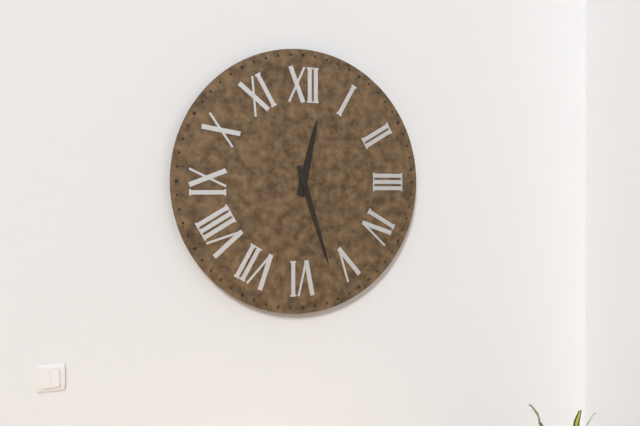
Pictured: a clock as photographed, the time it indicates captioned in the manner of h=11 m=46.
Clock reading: h=12 m=27
